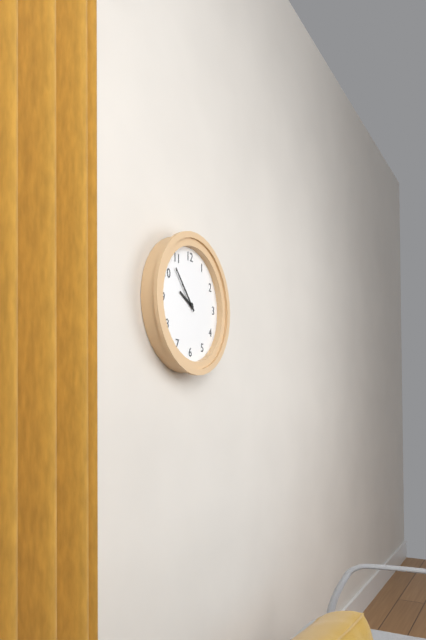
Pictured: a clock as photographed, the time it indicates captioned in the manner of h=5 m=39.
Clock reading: h=9 m=53
